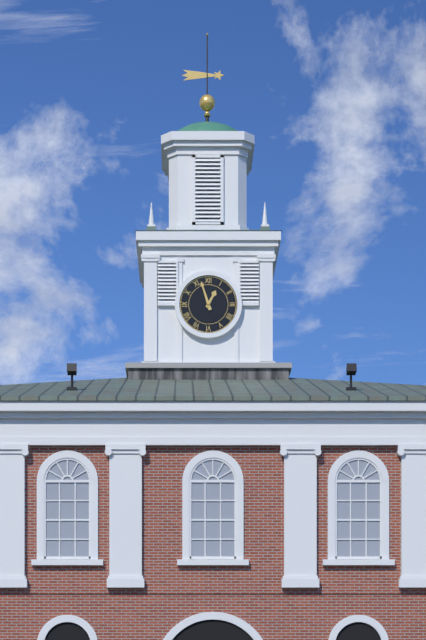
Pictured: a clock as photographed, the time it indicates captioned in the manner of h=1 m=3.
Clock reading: h=12 m=57
